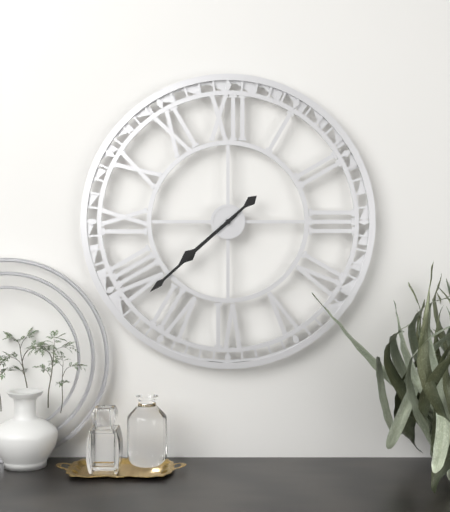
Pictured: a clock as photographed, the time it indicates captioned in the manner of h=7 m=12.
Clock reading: h=7 m=38
